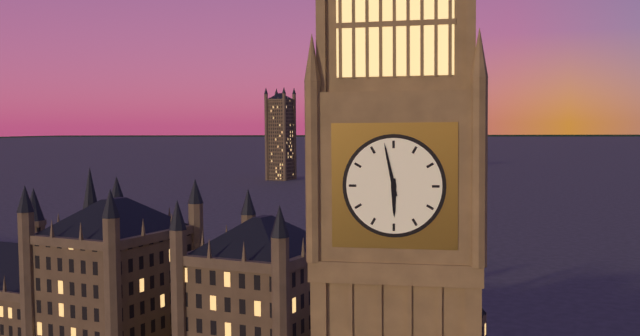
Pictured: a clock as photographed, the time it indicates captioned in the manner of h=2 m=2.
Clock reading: h=5 m=58
